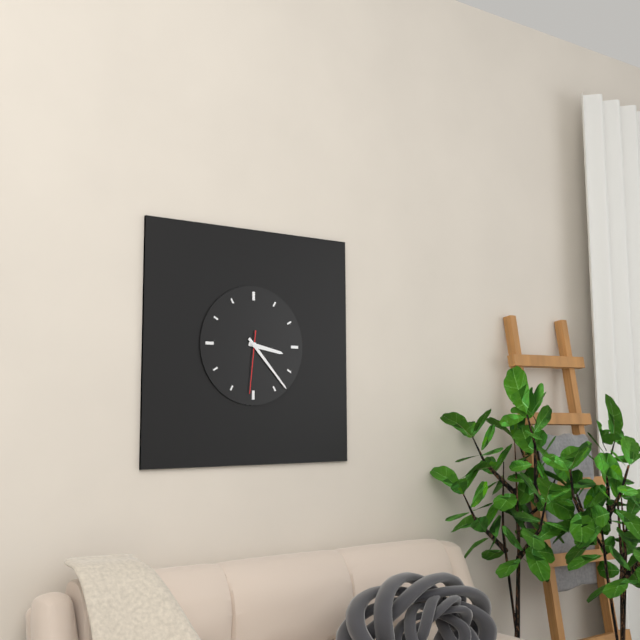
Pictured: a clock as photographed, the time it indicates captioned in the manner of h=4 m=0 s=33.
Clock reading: h=3 m=23 s=31
